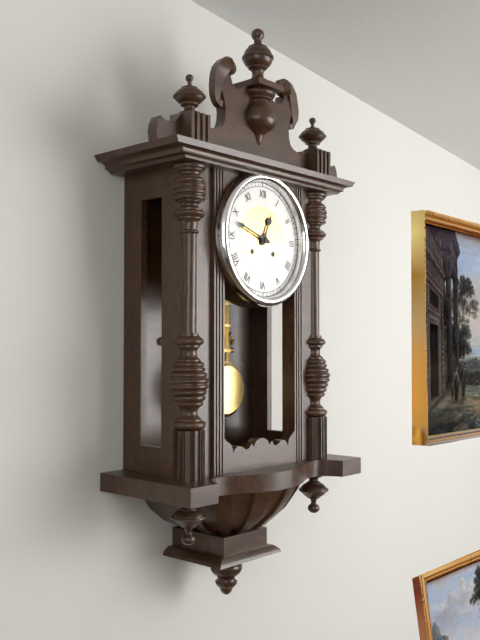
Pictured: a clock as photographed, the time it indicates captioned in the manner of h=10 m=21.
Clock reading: h=12 m=48
